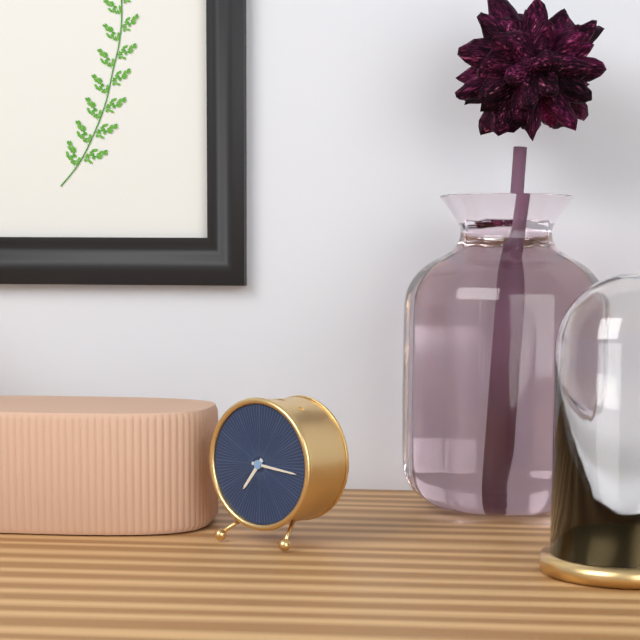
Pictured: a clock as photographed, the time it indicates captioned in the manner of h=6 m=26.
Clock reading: h=7 m=16
